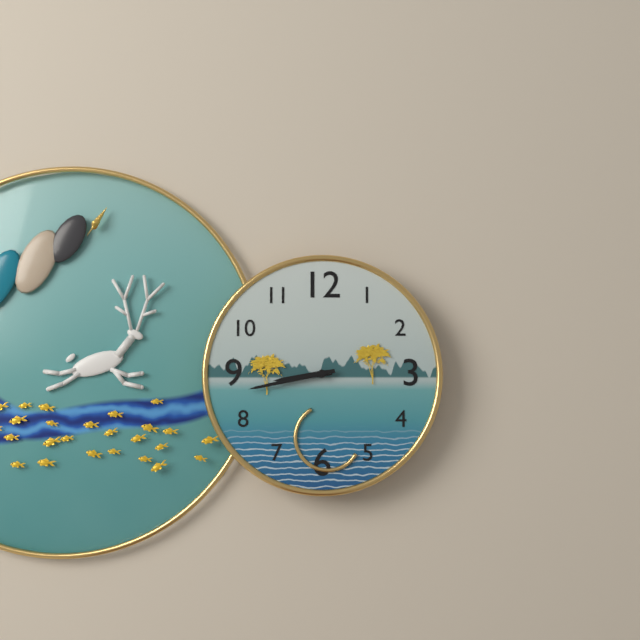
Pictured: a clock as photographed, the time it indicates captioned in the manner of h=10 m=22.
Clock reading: h=8 m=43
